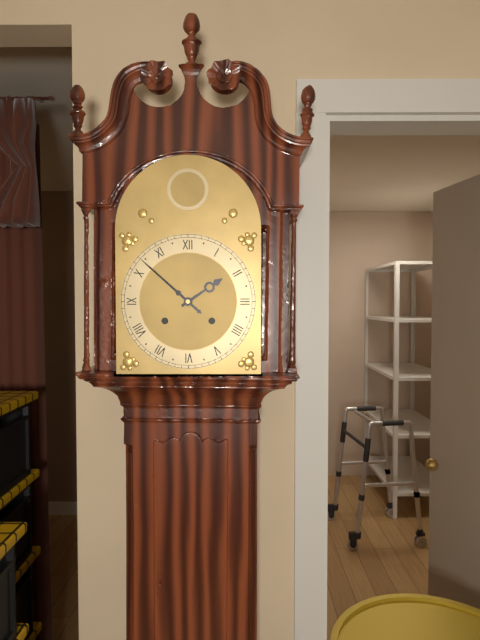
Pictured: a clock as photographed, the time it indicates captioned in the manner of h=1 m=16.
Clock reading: h=1 m=52
